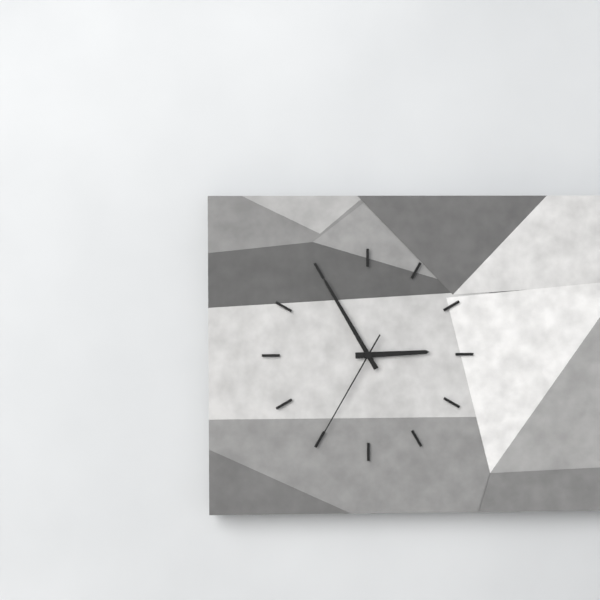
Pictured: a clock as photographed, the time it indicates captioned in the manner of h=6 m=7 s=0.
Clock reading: h=2 m=55 s=35
